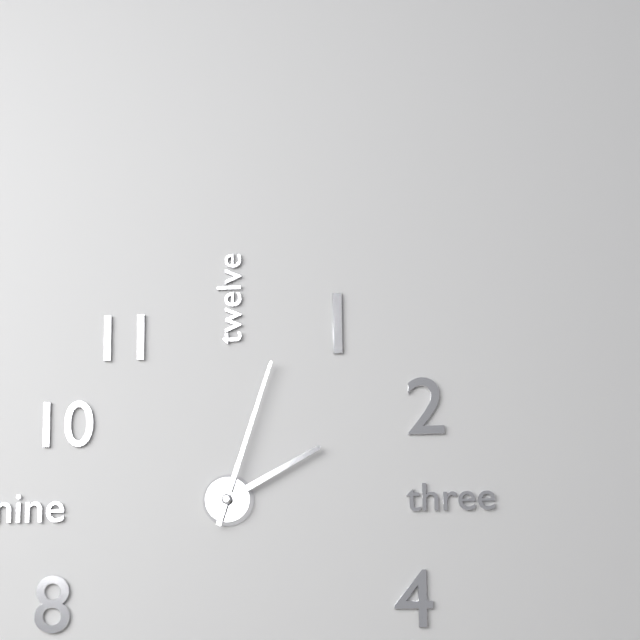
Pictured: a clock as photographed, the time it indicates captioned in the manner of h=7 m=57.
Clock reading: h=2 m=3
